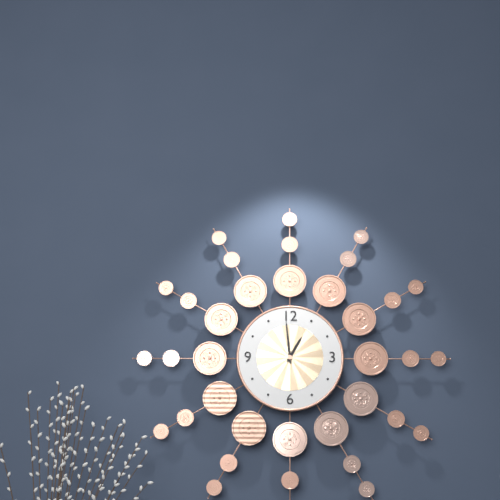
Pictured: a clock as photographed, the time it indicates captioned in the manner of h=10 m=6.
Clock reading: h=12 m=59
